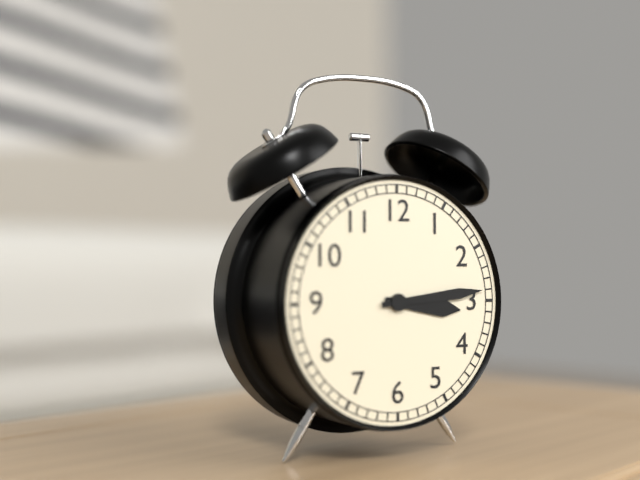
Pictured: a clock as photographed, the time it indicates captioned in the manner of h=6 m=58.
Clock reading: h=3 m=14
